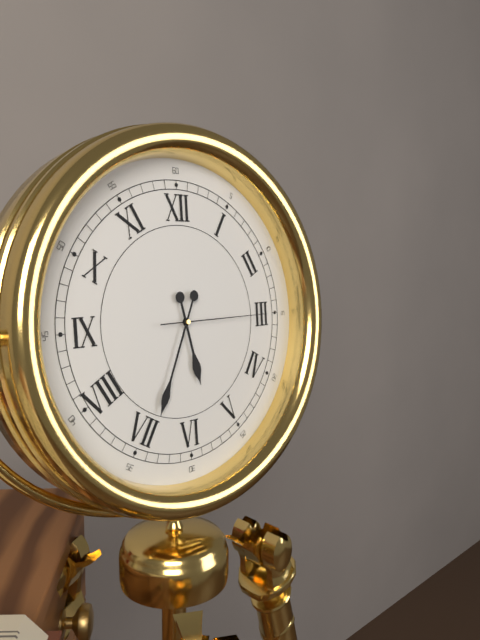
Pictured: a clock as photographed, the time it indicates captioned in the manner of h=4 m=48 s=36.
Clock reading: h=5 m=34 s=15
